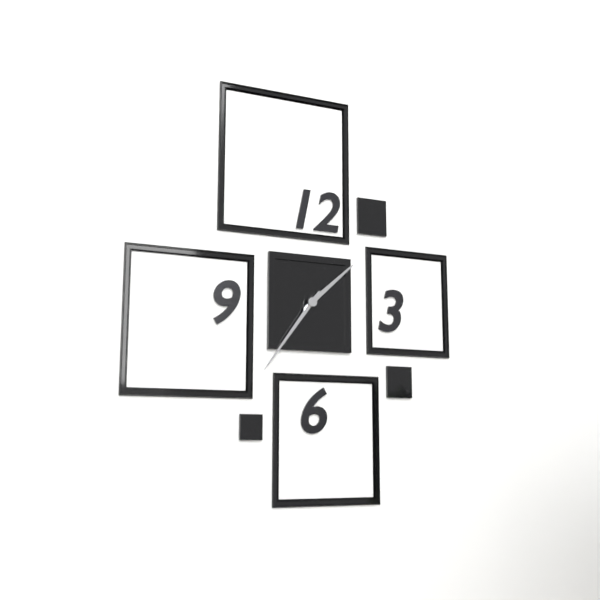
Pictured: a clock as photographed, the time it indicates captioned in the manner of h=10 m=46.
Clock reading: h=1 m=36
